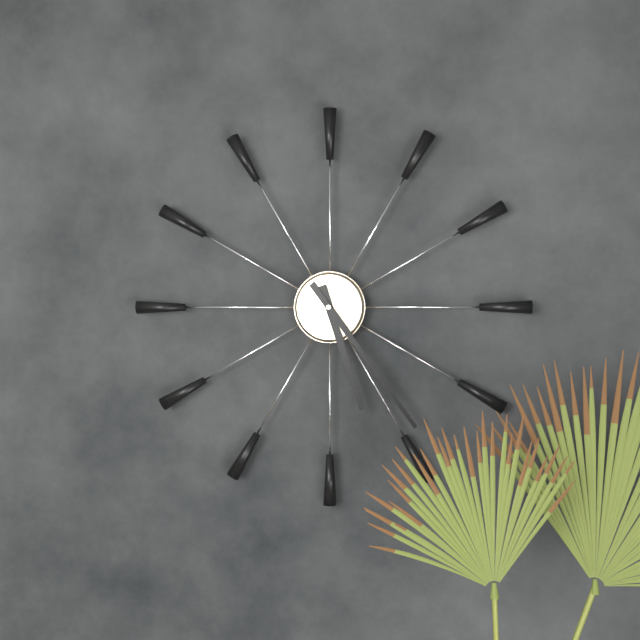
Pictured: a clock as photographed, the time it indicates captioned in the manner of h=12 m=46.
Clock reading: h=5 m=24
